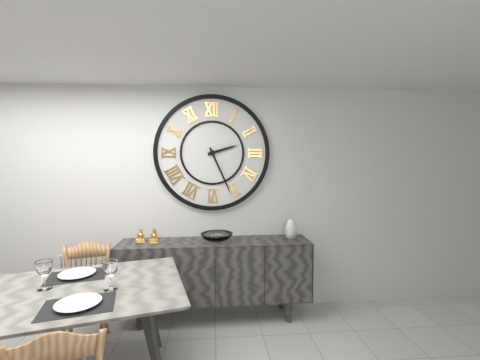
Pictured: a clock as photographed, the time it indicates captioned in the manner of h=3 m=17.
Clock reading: h=2 m=26
